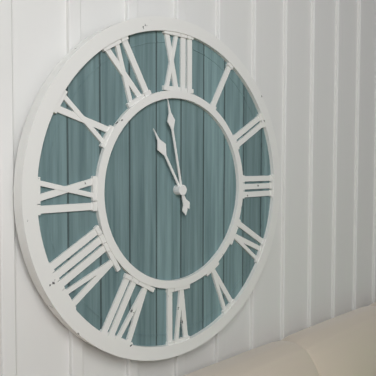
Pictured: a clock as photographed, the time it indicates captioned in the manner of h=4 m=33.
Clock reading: h=10 m=58
